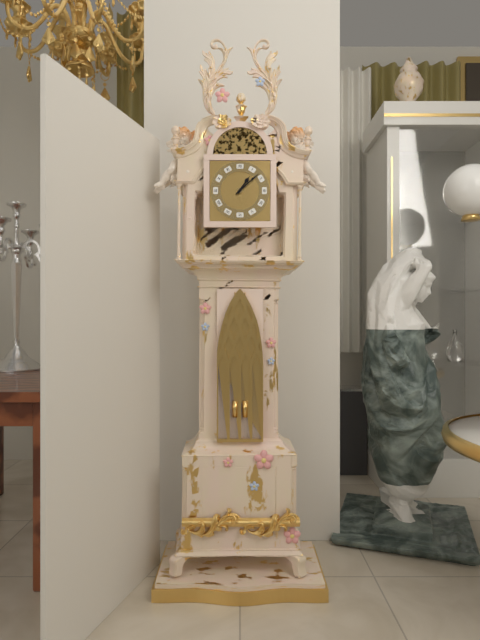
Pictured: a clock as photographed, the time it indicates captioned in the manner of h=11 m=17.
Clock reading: h=1 m=8
